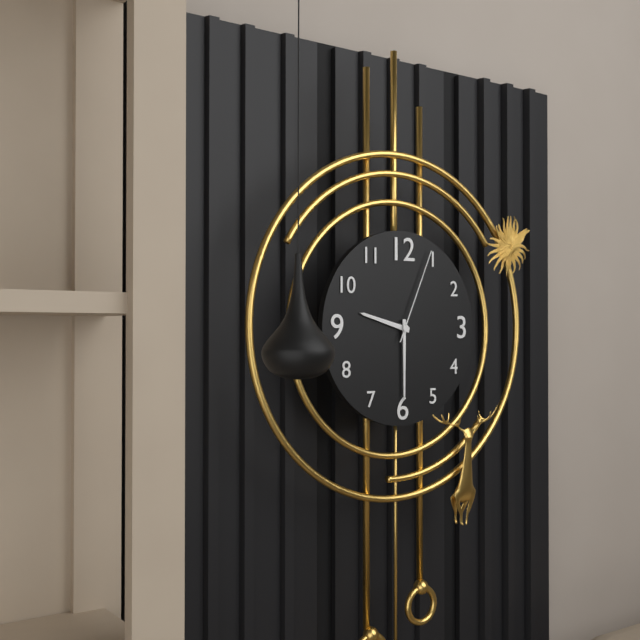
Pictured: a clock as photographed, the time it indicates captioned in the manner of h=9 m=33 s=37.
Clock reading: h=9 m=30 s=4
